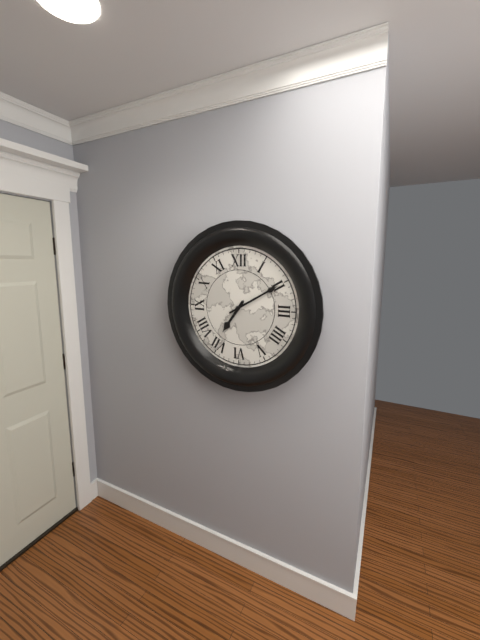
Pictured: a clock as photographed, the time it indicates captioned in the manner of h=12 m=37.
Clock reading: h=7 m=10
